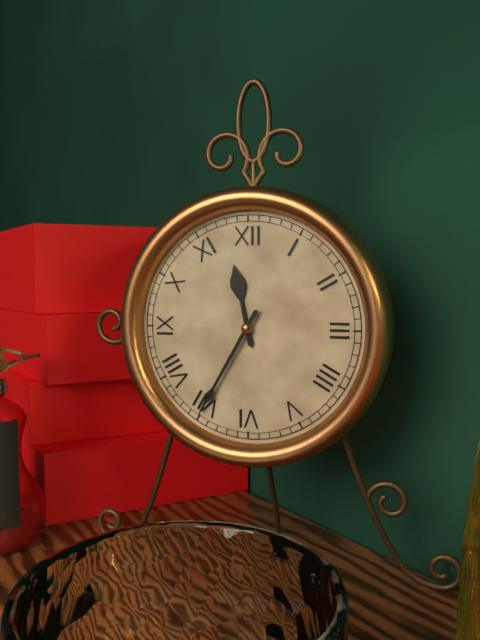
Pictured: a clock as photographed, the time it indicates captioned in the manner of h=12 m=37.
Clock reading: h=11 m=35
